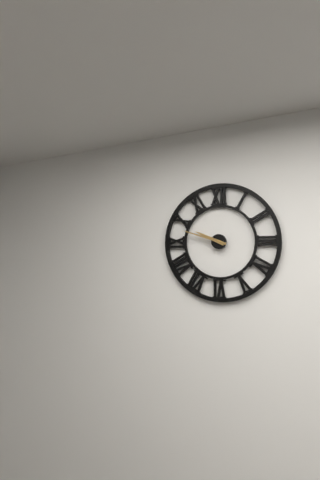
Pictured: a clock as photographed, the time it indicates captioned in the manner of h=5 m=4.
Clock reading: h=9 m=48
